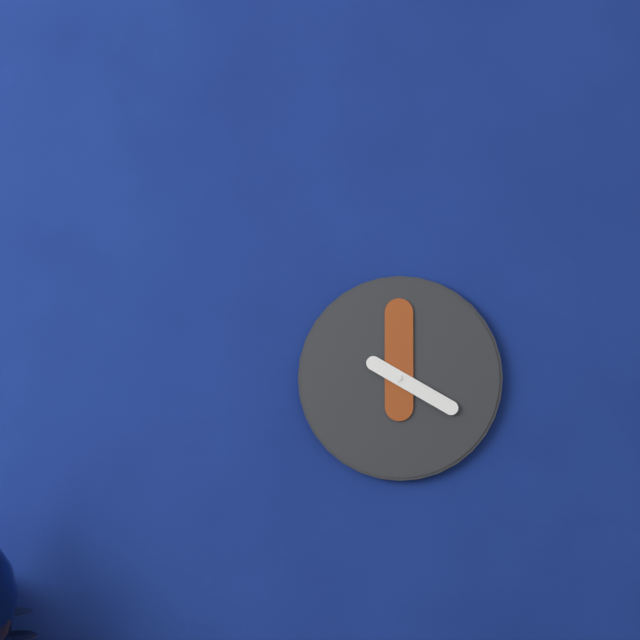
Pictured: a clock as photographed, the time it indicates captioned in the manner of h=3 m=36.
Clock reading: h=4 m=0
